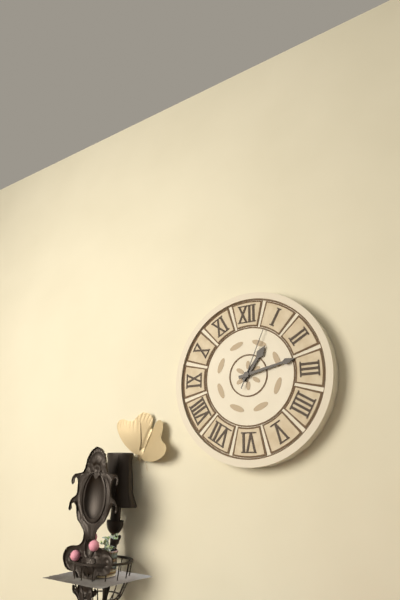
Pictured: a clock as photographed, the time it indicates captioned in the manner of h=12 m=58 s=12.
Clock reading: h=1 m=13 s=4
